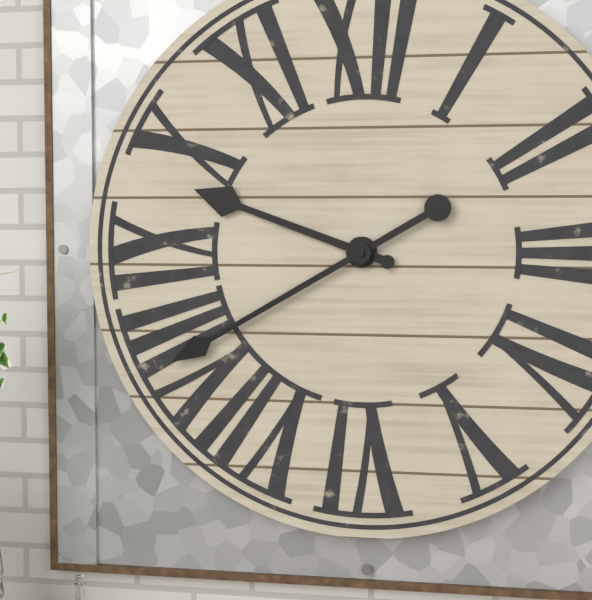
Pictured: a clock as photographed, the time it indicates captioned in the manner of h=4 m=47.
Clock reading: h=9 m=40
